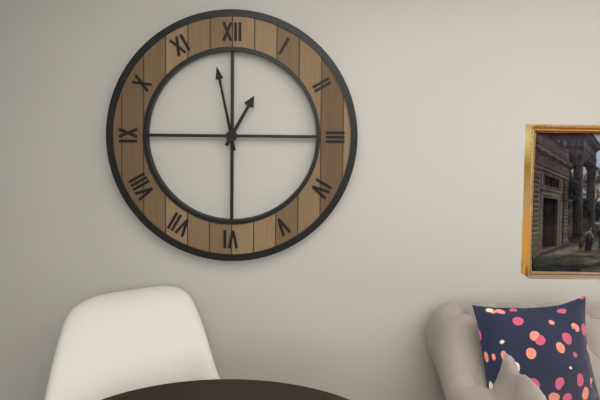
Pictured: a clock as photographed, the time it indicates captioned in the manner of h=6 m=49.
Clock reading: h=12 m=58
